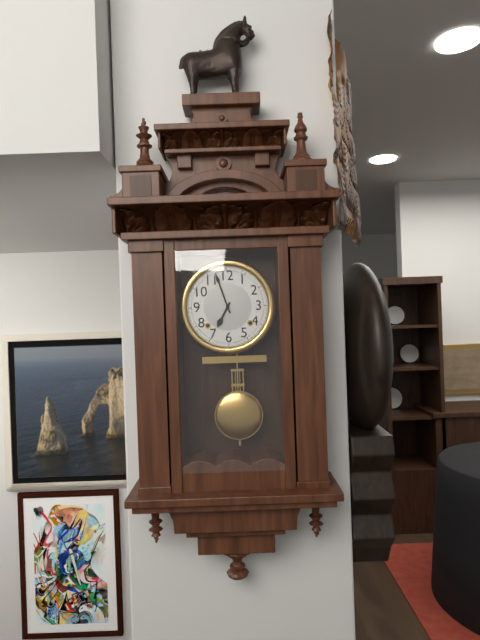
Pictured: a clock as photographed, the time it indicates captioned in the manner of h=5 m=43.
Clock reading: h=6 m=57
